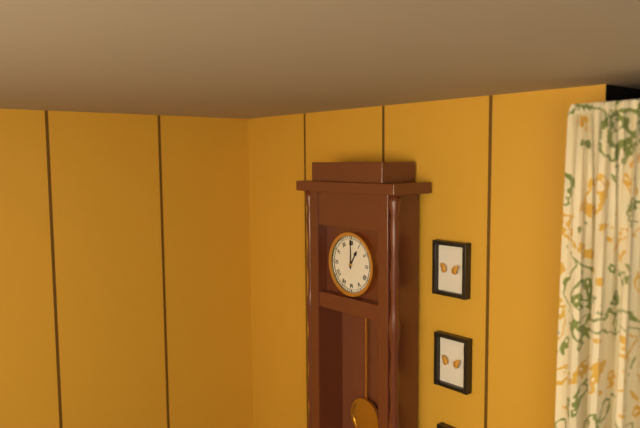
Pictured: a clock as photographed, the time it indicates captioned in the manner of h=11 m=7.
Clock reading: h=1 m=0
